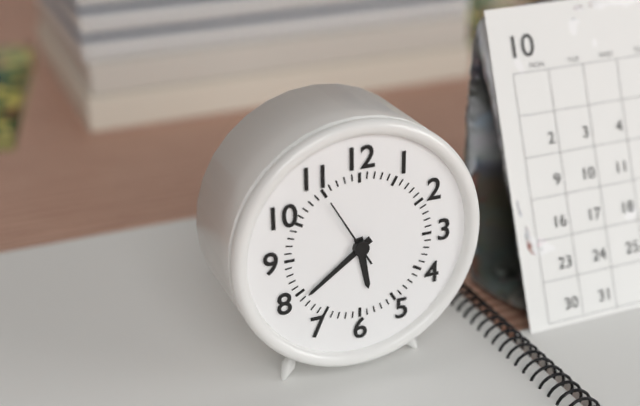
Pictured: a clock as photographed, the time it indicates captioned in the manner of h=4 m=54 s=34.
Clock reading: h=5 m=39 s=55
